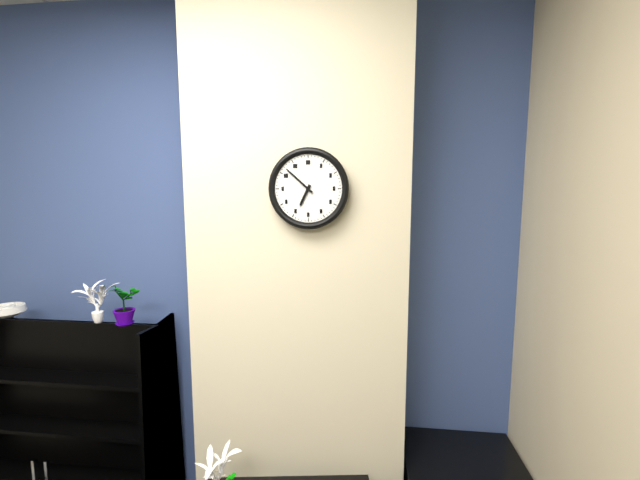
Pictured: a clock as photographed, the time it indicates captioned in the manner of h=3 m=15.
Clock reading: h=6 m=52
